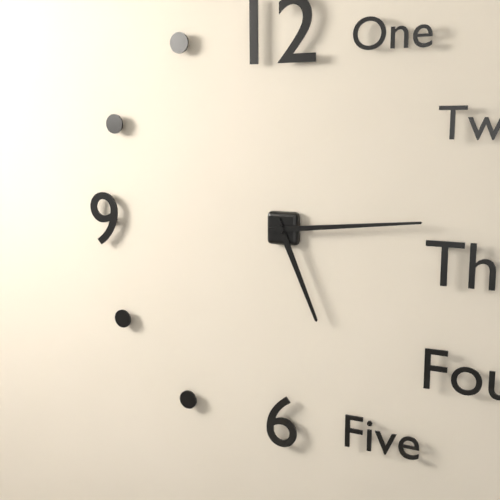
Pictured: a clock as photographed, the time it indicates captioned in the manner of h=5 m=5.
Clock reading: h=5 m=14
